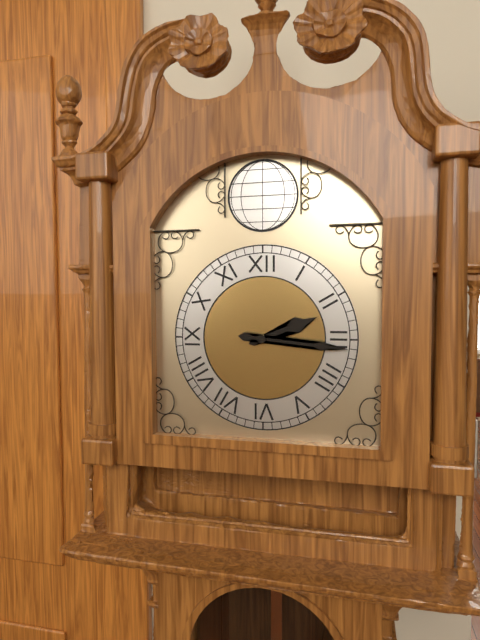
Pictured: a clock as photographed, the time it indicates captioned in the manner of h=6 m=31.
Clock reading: h=2 m=16
